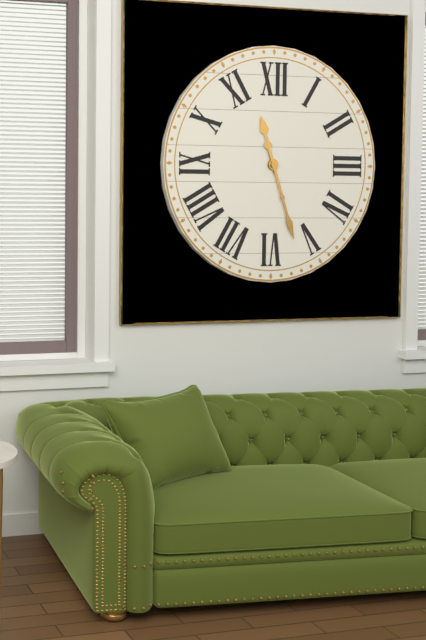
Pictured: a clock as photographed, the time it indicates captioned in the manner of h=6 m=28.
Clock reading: h=11 m=27
